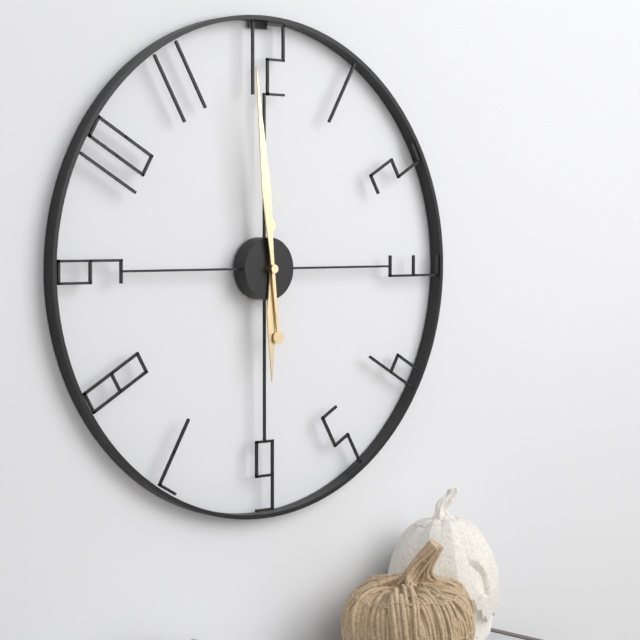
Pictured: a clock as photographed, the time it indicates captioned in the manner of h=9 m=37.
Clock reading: h=5 m=59
